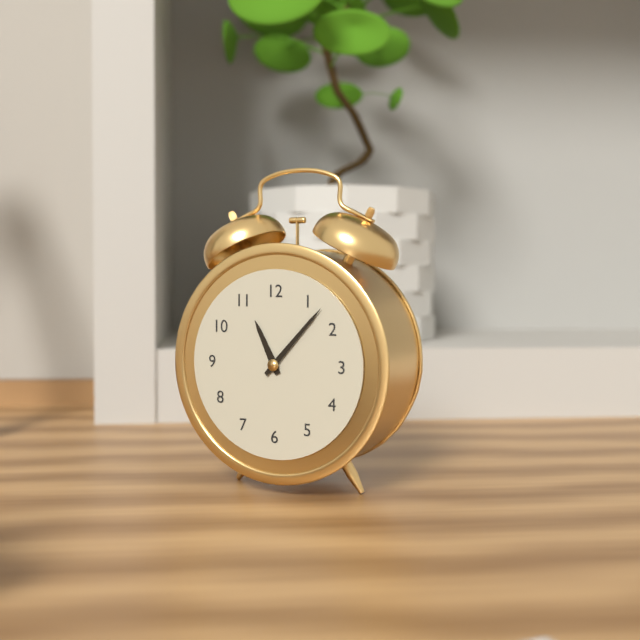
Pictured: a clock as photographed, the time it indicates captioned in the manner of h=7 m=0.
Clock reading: h=11 m=7
